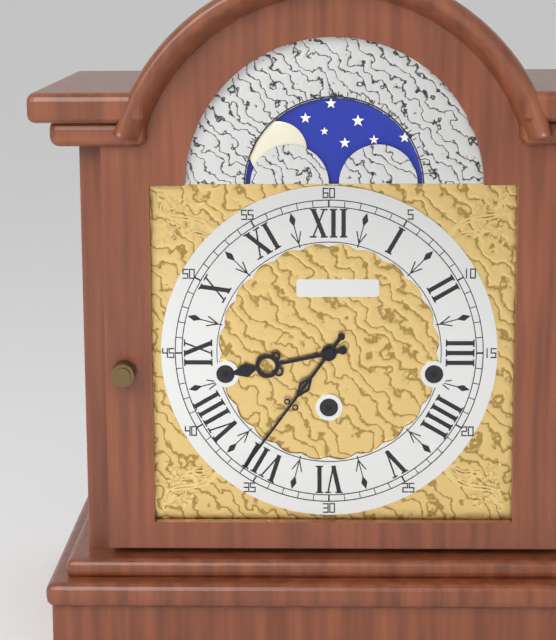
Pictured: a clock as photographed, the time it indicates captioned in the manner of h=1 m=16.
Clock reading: h=8 m=36
